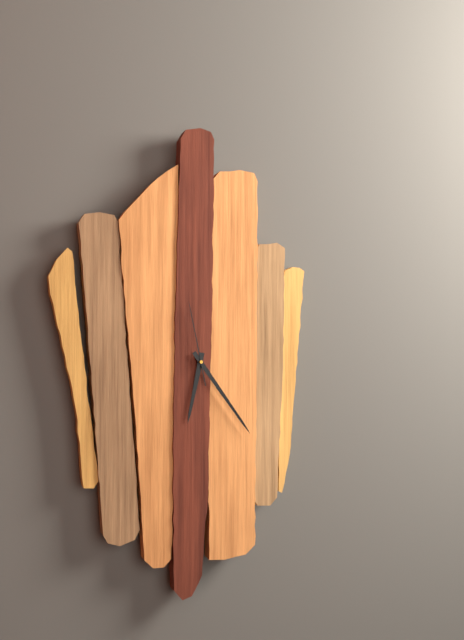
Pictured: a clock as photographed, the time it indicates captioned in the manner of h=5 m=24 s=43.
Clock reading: h=6 m=24 s=58
